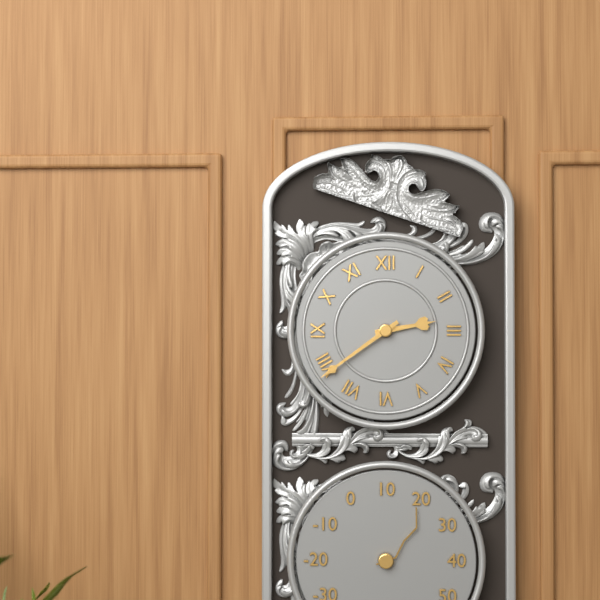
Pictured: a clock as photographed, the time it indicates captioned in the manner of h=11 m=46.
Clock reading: h=2 m=39
